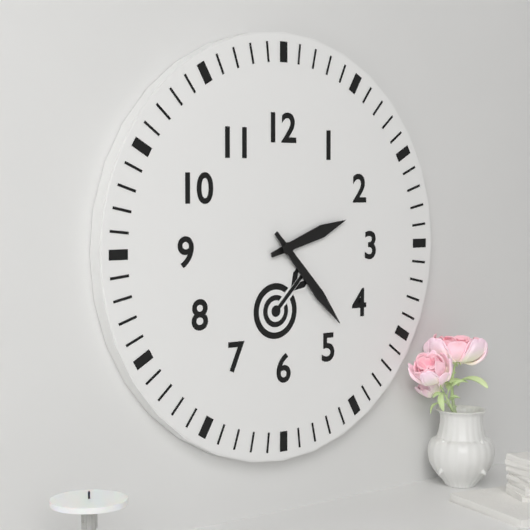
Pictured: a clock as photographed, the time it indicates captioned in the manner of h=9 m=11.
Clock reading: h=2 m=23
